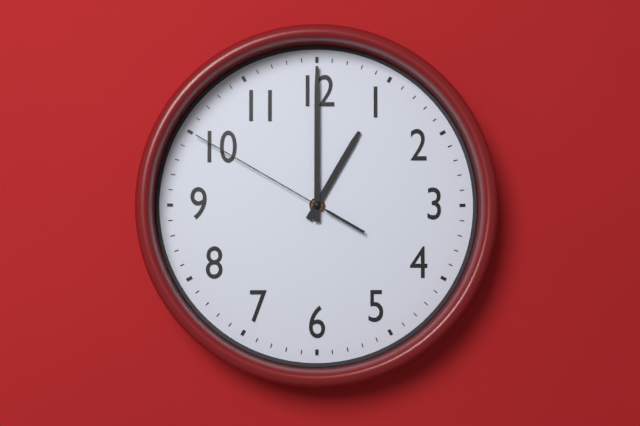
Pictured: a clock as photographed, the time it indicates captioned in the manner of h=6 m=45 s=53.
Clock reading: h=1 m=0 s=50
